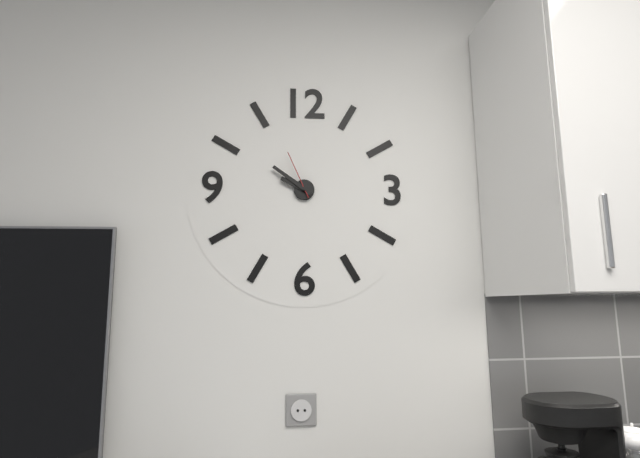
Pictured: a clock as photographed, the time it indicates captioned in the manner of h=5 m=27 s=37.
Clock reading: h=9 m=51 s=56
